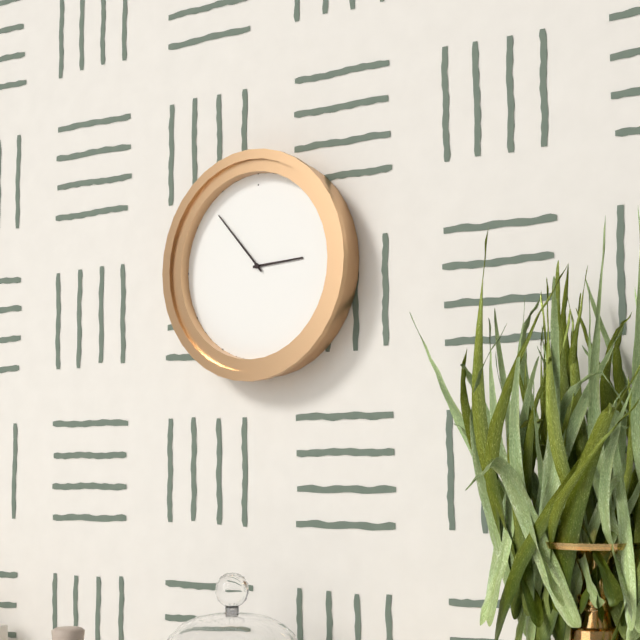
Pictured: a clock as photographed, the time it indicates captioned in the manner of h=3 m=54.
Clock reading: h=2 m=53
